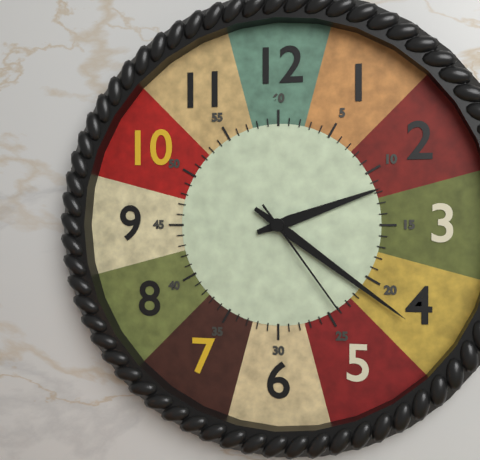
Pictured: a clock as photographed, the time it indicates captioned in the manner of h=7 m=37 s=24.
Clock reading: h=2 m=21 s=24
